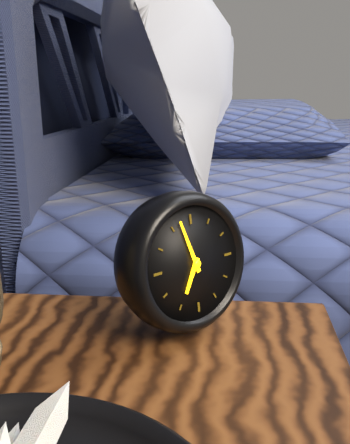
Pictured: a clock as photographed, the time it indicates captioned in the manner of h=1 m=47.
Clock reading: h=6 m=57
